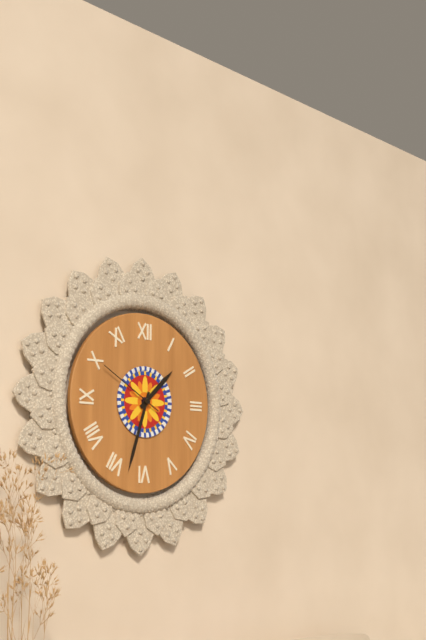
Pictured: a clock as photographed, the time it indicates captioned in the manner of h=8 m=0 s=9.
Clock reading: h=1 m=33 s=50
